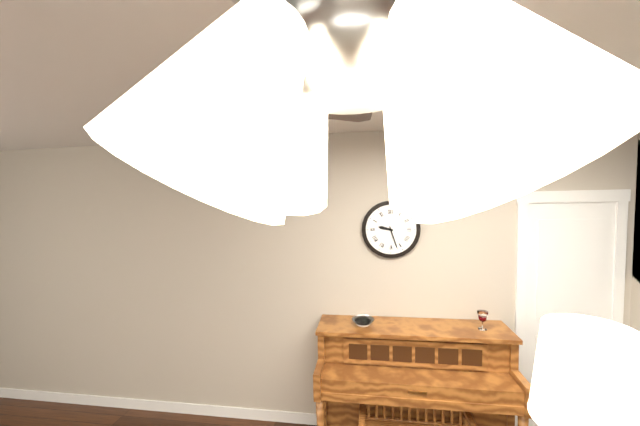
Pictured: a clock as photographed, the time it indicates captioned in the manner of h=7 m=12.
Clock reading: h=9 m=27
